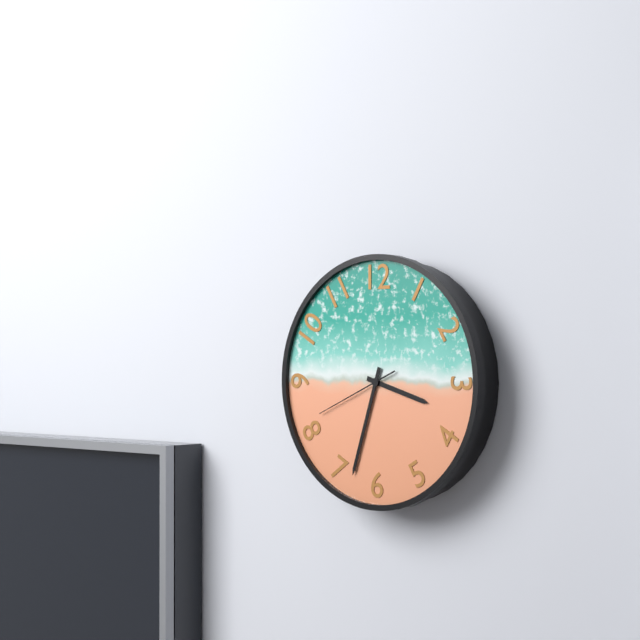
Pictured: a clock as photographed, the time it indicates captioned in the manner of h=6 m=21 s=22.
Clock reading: h=3 m=33 s=41
